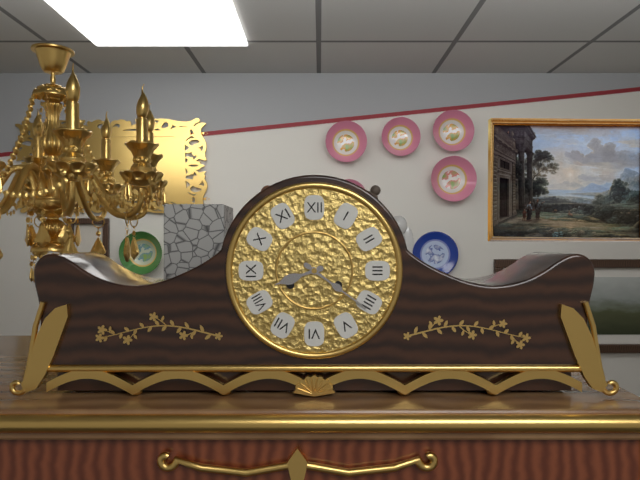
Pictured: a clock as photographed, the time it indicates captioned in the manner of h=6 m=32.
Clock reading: h=8 m=21
